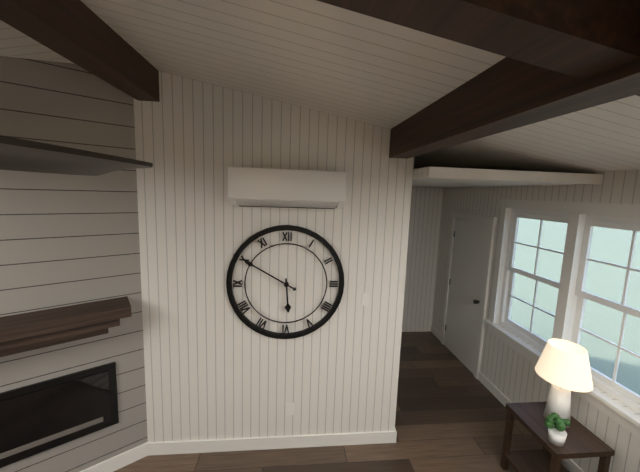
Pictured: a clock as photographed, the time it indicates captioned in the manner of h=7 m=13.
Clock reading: h=5 m=50
